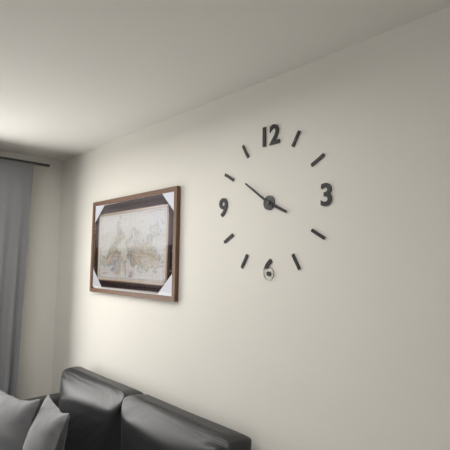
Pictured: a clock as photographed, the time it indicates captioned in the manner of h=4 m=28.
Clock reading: h=3 m=51
